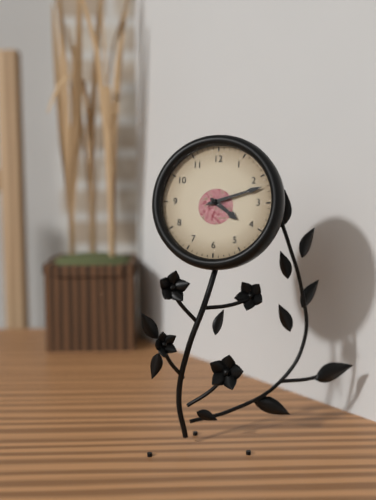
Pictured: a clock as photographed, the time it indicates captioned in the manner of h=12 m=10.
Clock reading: h=4 m=12
